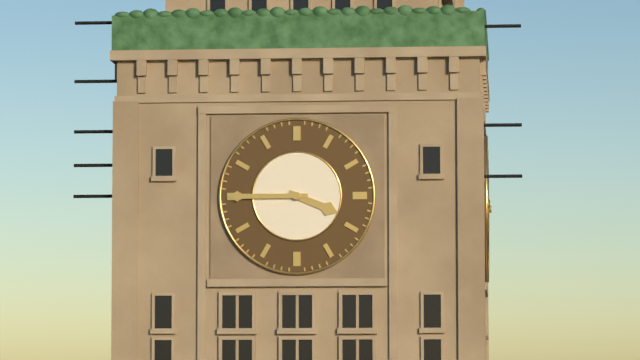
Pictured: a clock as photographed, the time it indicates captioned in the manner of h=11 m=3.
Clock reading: h=3 m=45
